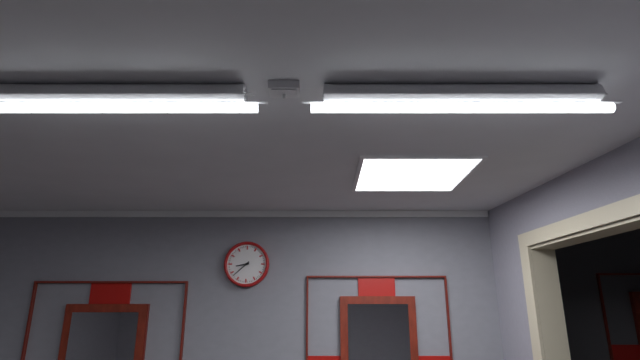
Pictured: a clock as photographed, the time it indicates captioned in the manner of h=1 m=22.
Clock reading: h=8 m=38
